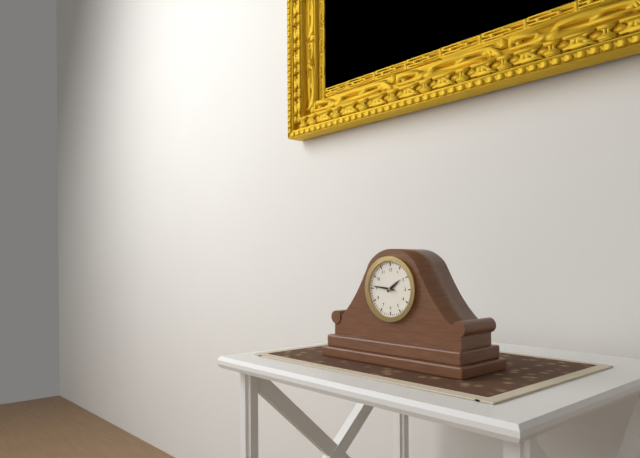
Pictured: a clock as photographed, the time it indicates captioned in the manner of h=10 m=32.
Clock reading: h=1 m=46
